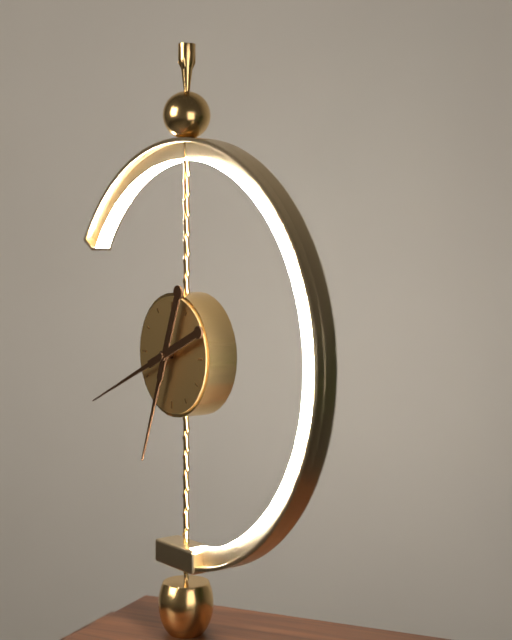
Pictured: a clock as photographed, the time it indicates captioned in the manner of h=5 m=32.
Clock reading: h=6 m=41
